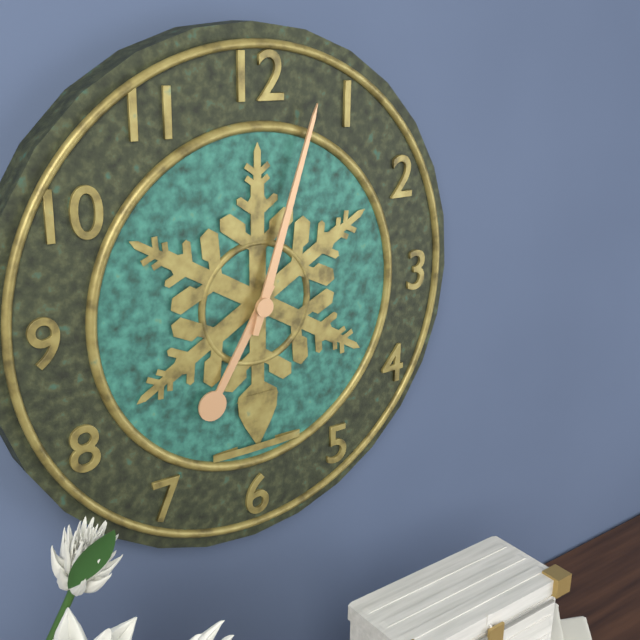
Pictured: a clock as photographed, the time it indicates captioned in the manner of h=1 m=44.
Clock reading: h=7 m=3
